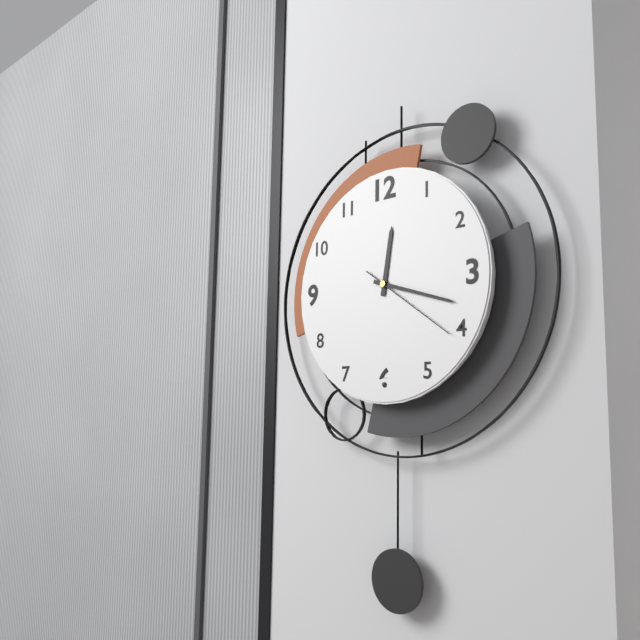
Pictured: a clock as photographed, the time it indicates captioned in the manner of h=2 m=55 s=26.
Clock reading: h=12 m=18 s=21
